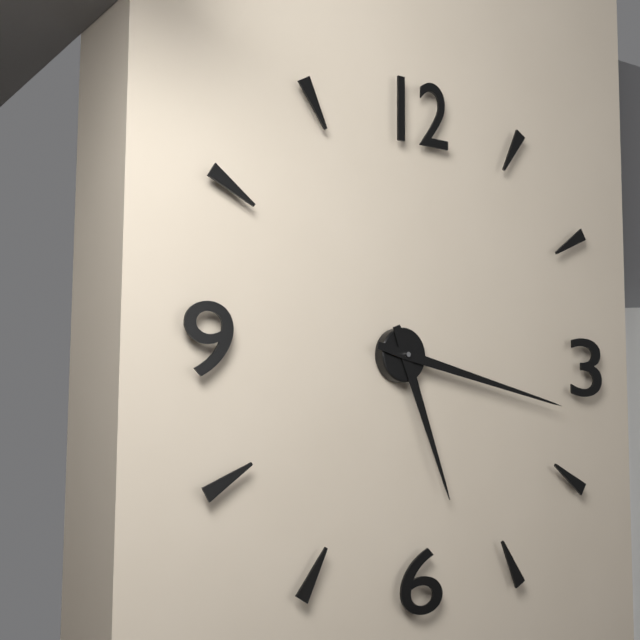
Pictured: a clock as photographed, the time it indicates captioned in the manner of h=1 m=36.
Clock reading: h=5 m=17
